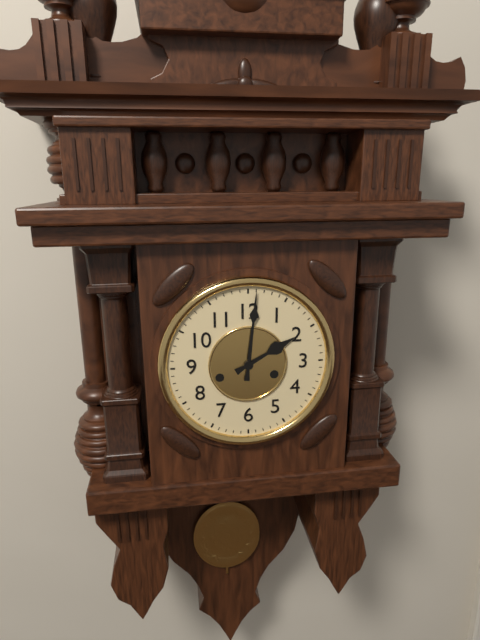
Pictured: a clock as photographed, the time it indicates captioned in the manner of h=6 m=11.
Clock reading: h=2 m=1
